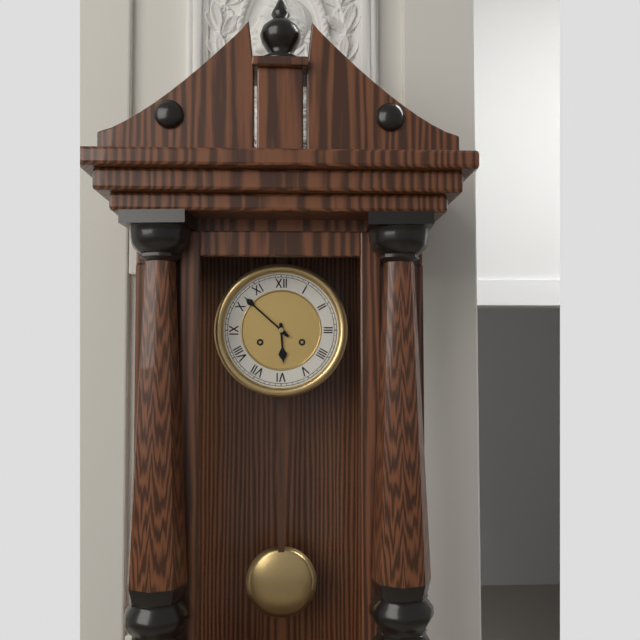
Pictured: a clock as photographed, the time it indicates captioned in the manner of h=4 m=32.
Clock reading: h=5 m=52
